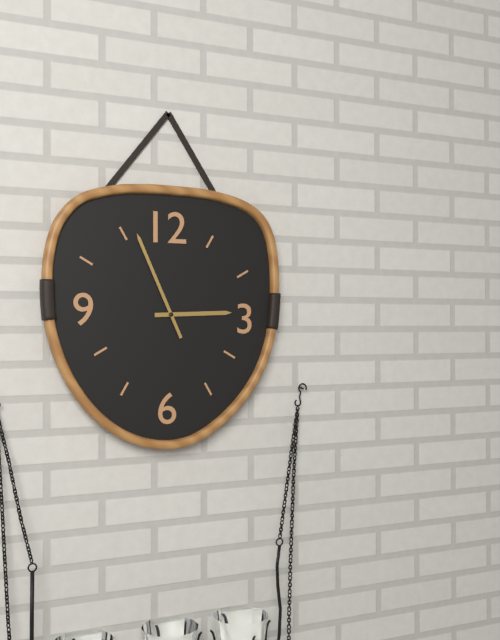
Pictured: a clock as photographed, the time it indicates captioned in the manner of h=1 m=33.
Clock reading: h=2 m=56
